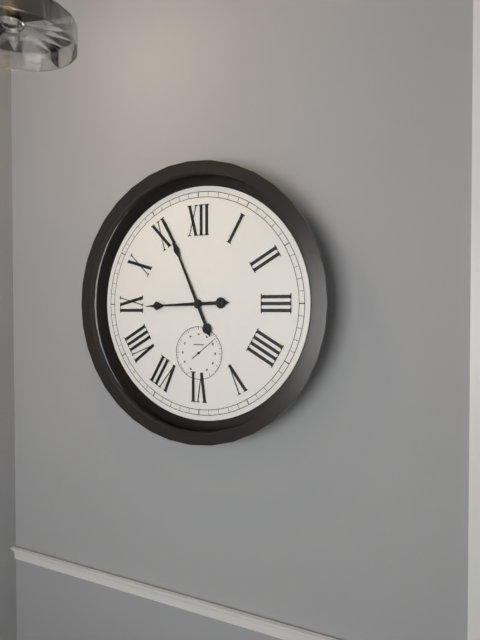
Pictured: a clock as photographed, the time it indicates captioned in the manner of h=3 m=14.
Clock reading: h=8 m=56
